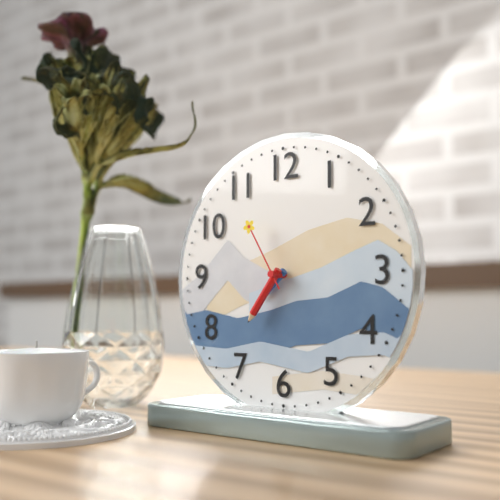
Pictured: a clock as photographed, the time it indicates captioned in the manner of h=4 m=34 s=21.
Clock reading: h=7 m=36 s=55
